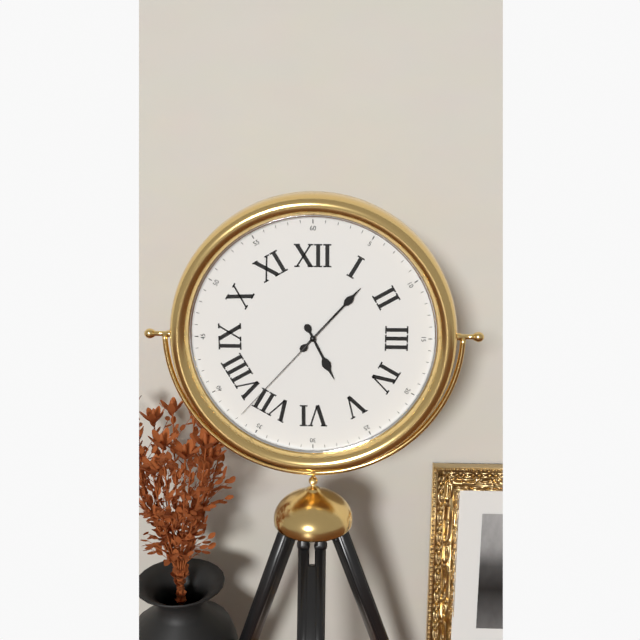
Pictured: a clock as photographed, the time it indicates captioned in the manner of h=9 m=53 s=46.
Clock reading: h=5 m=7 s=37
